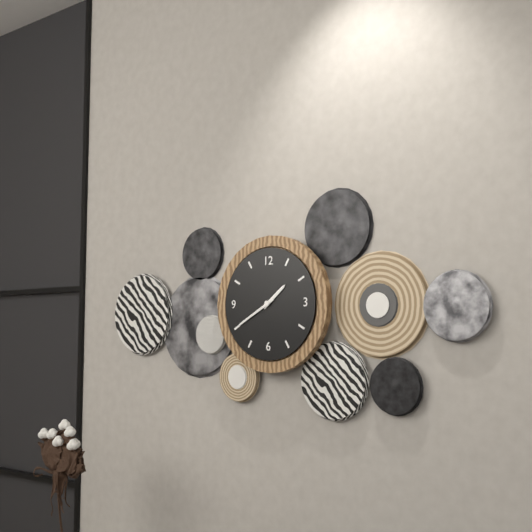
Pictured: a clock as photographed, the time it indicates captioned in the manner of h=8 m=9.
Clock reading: h=1 m=40
